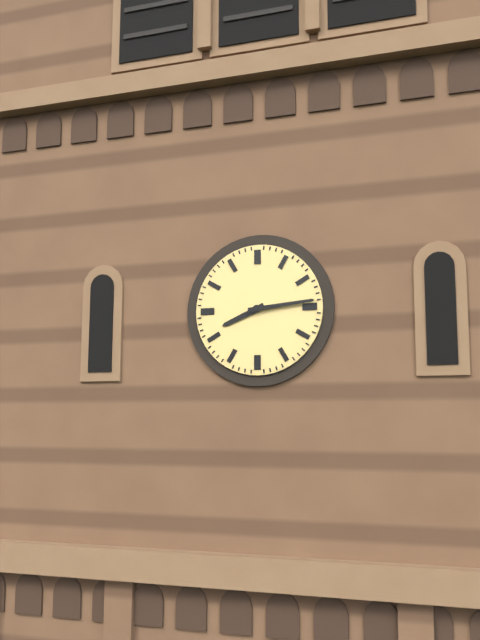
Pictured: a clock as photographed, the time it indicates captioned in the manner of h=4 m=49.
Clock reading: h=8 m=14
